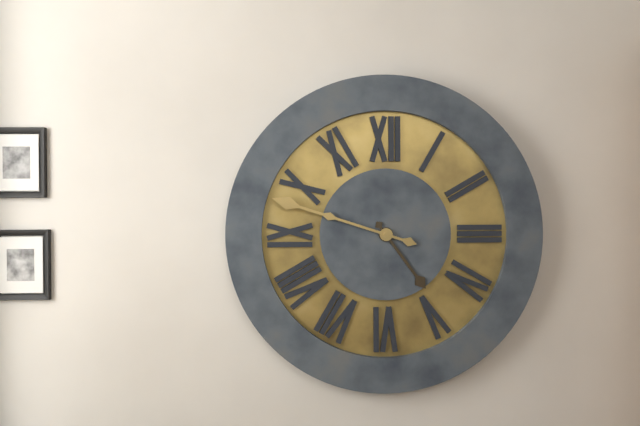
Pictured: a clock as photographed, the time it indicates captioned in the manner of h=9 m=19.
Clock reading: h=4 m=48
